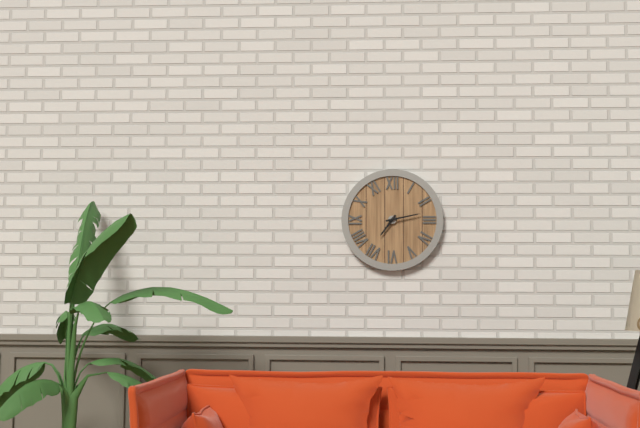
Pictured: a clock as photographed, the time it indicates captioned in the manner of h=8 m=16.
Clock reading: h=7 m=13
